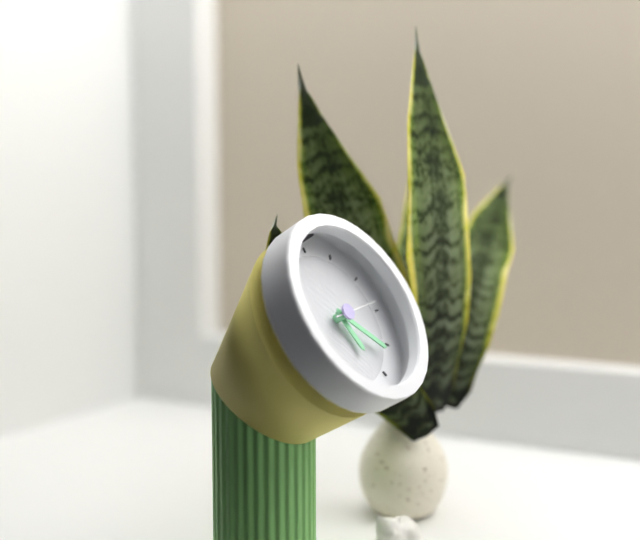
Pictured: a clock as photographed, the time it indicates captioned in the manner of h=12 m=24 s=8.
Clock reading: h=5 m=22 s=14
